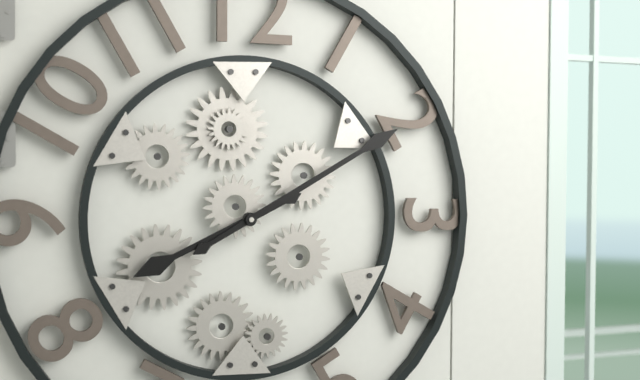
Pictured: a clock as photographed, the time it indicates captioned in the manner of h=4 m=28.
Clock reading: h=8 m=10
